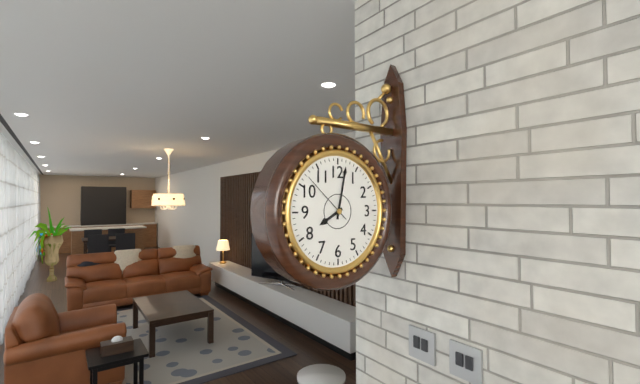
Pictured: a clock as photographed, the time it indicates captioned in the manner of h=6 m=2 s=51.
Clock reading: h=8 m=2 s=52
